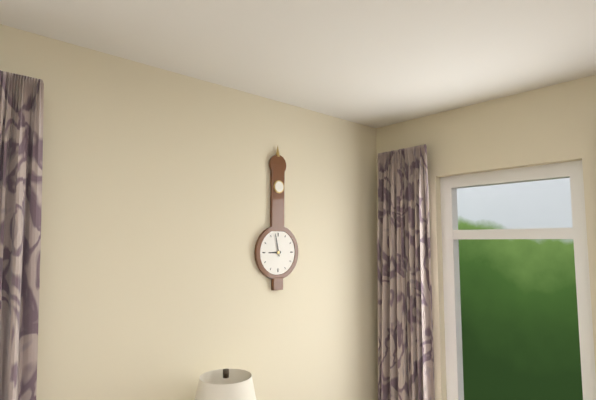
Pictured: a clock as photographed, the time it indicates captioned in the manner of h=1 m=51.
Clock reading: h=8 m=58
